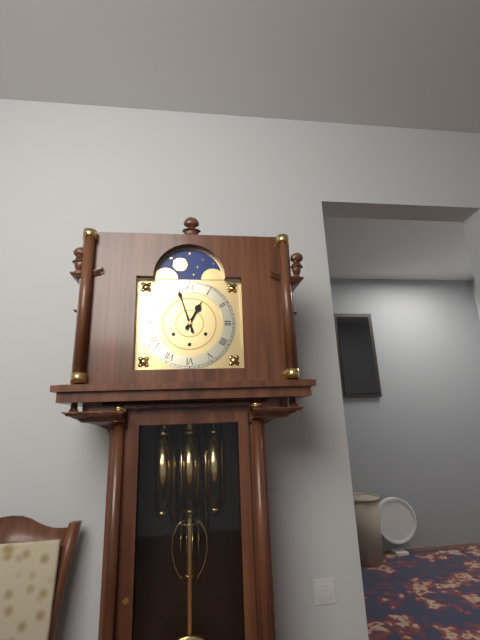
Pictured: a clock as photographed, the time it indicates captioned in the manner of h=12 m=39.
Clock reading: h=12 m=57
